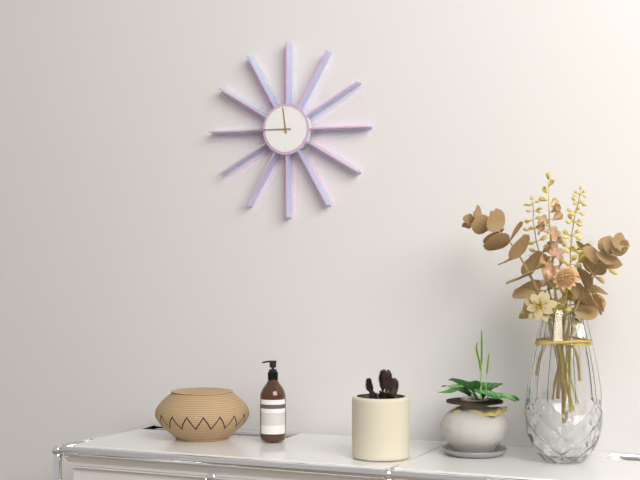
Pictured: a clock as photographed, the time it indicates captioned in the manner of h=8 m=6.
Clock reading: h=11 m=45
